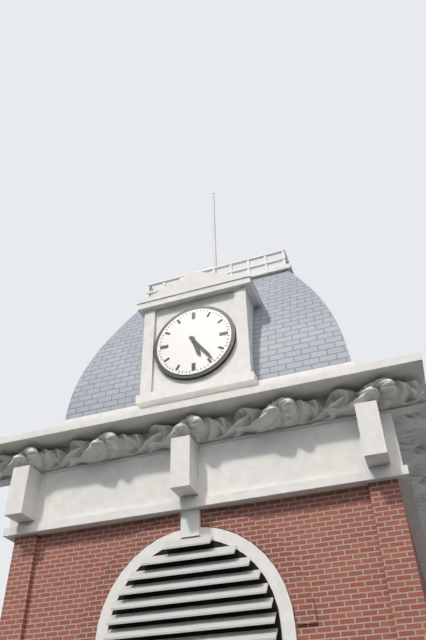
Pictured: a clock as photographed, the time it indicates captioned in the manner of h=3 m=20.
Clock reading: h=5 m=24
